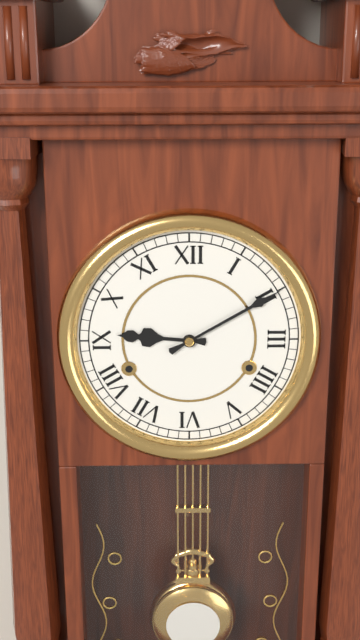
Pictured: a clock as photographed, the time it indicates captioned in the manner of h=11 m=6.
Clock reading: h=9 m=10
